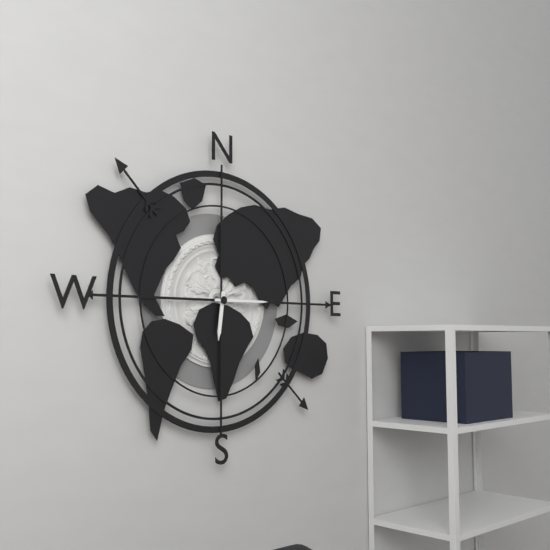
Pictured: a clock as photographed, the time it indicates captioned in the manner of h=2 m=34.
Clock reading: h=6 m=15
